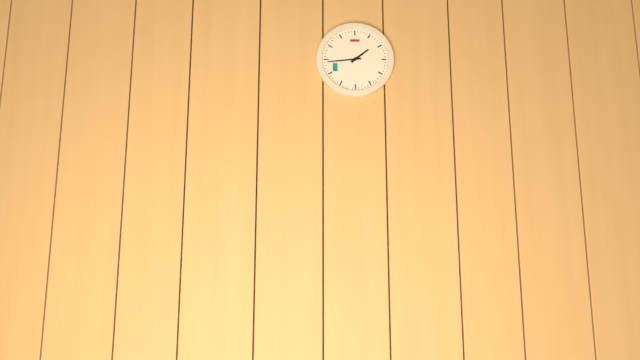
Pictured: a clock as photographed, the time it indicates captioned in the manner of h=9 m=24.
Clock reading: h=1 m=44
